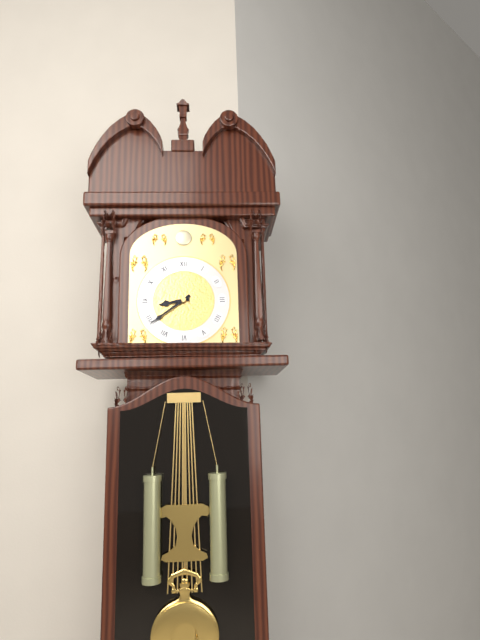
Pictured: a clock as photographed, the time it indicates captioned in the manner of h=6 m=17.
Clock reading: h=8 m=39
